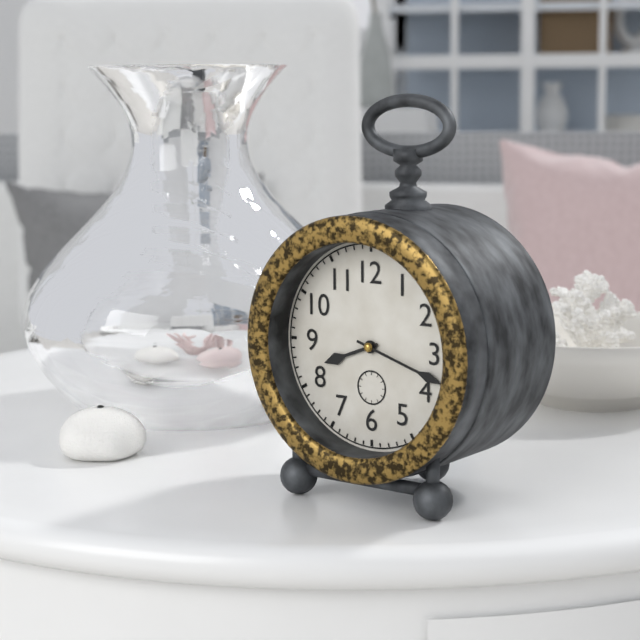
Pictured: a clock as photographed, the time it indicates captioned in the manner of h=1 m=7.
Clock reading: h=8 m=18
